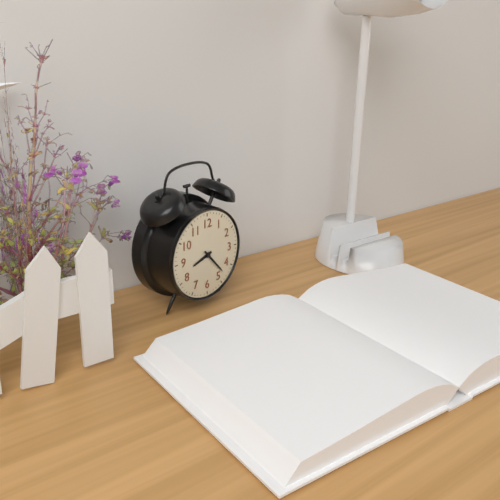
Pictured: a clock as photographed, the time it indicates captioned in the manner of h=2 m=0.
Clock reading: h=8 m=23
